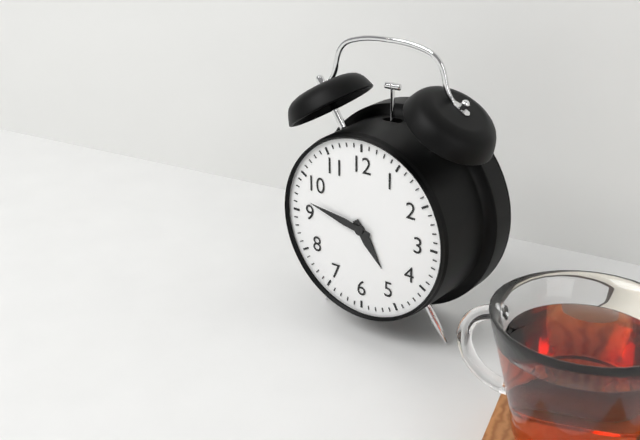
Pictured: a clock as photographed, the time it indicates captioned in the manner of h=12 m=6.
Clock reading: h=4 m=47
